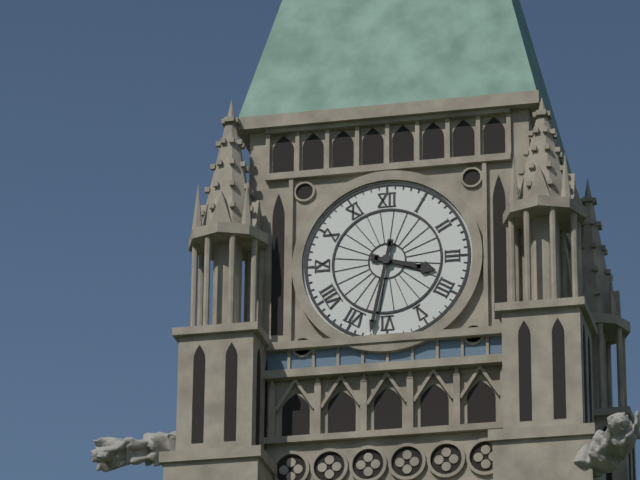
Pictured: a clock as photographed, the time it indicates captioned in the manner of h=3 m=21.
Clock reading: h=3 m=32
